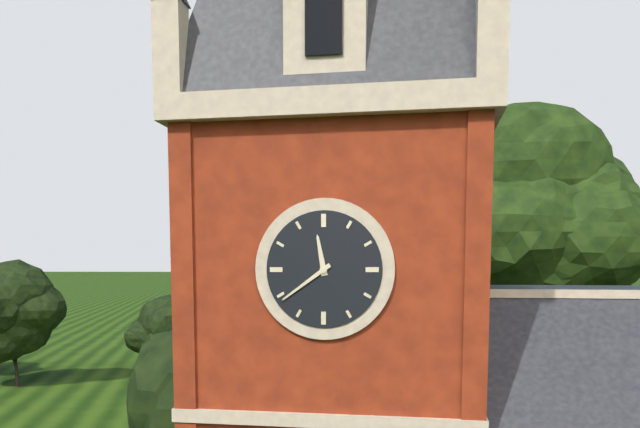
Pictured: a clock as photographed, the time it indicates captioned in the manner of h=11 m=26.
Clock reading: h=11 m=39
